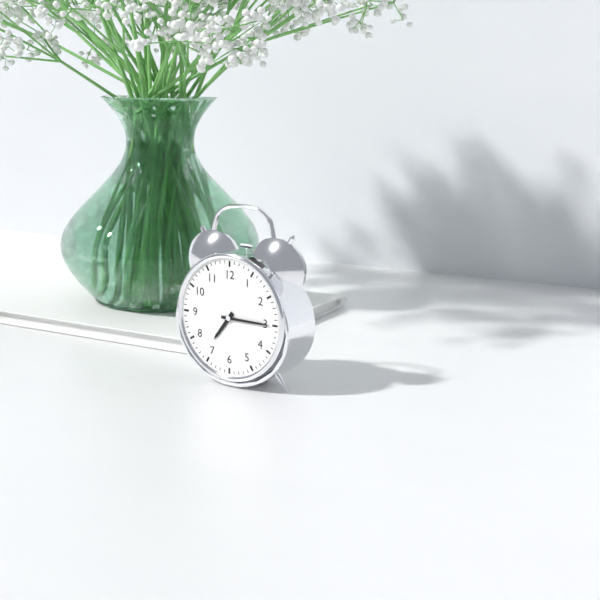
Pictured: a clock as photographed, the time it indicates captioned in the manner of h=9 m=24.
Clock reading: h=7 m=15
